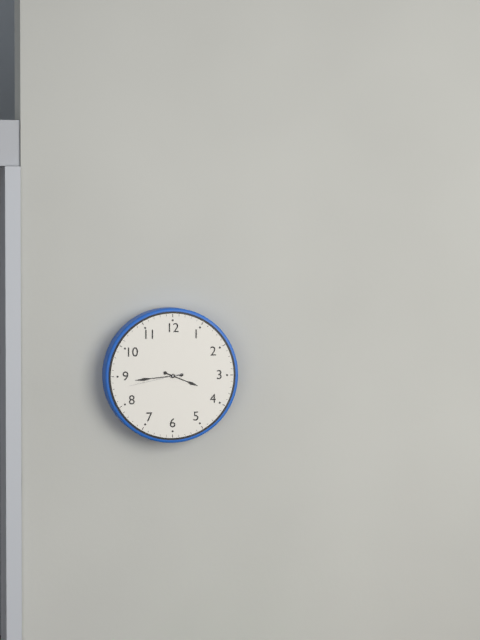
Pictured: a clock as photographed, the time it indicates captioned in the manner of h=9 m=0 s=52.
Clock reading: h=3 m=44 s=43
